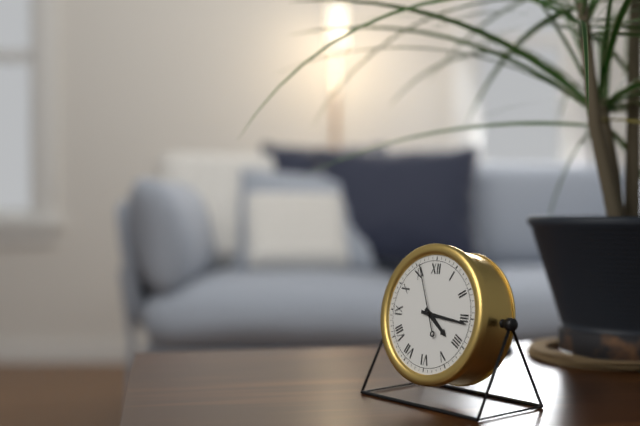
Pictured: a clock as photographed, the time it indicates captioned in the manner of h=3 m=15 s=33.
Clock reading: h=4 m=16 s=56
